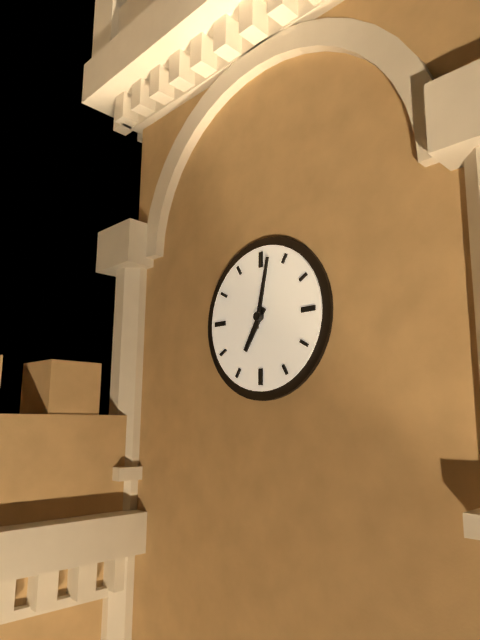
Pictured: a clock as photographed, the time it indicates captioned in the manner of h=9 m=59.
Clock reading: h=7 m=2
